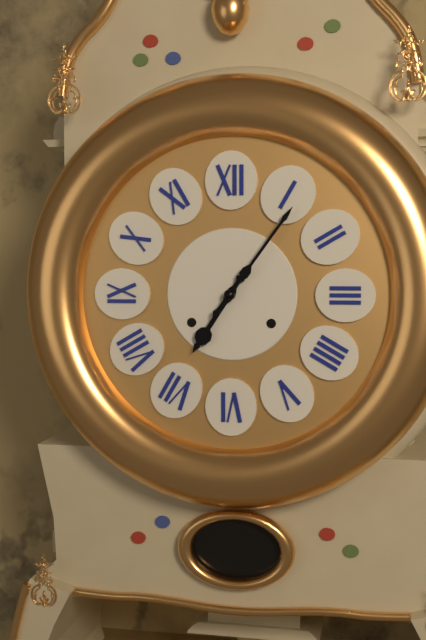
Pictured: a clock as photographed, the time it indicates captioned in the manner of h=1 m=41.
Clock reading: h=7 m=6
